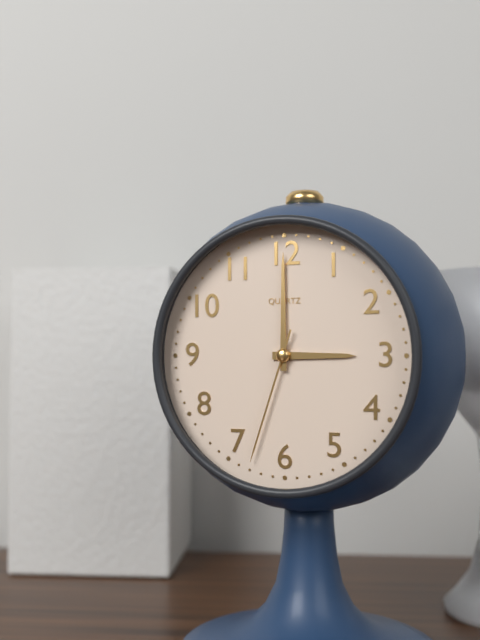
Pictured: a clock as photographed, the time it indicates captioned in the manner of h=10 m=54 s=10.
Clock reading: h=3 m=0 s=33
